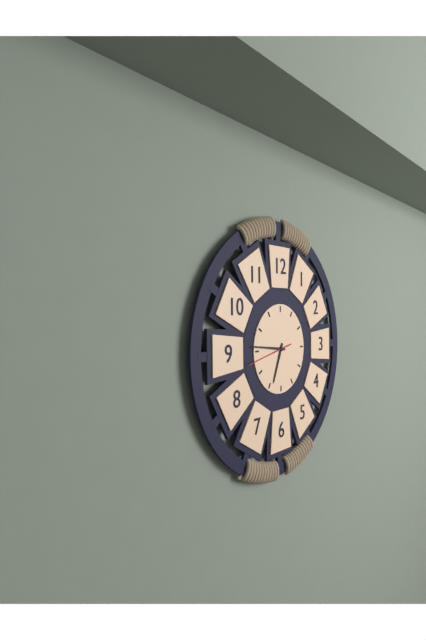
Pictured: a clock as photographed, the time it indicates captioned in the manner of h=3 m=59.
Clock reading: h=6 m=46
